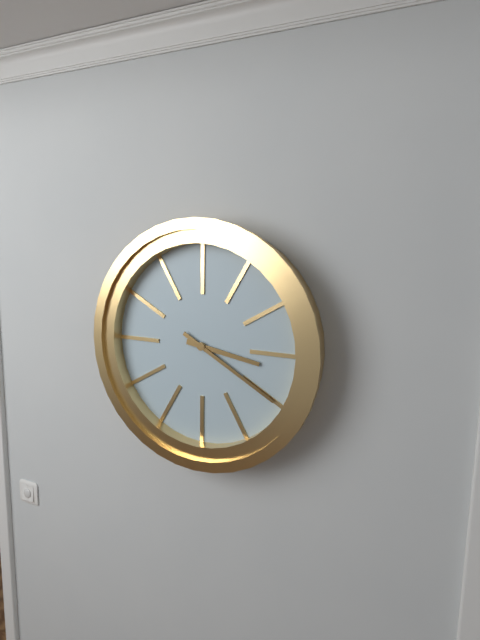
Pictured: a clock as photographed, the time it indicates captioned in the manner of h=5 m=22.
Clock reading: h=3 m=20
